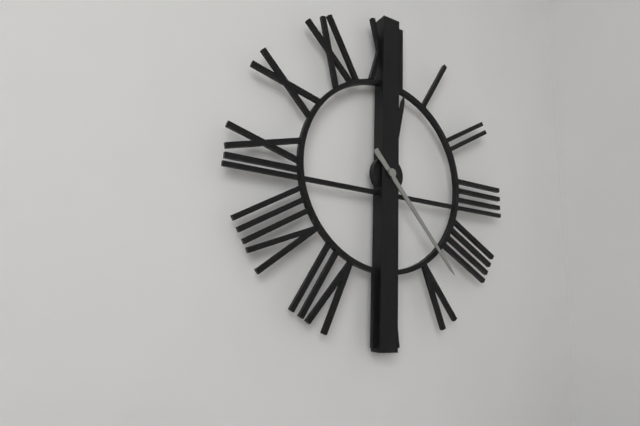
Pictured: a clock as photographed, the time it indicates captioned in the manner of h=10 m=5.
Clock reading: h=12 m=23
